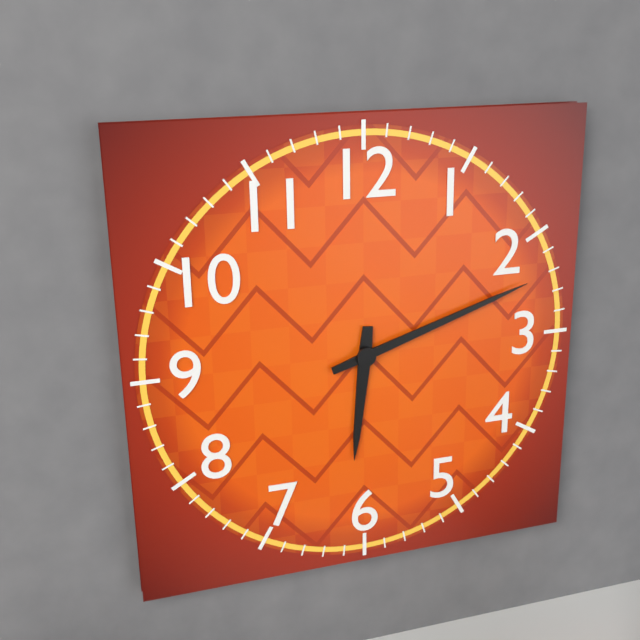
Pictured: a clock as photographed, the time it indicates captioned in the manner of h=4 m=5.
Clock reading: h=6 m=12
